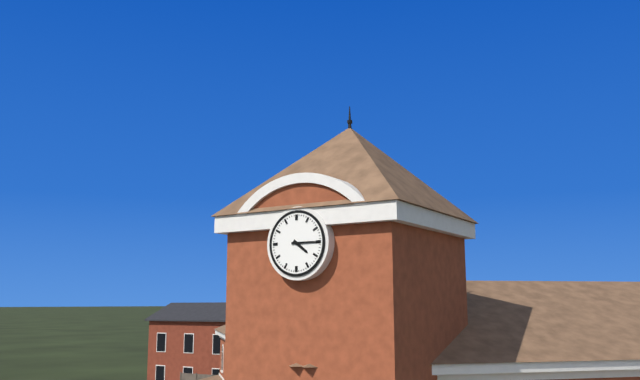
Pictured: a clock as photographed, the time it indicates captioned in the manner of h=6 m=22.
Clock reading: h=4 m=15
